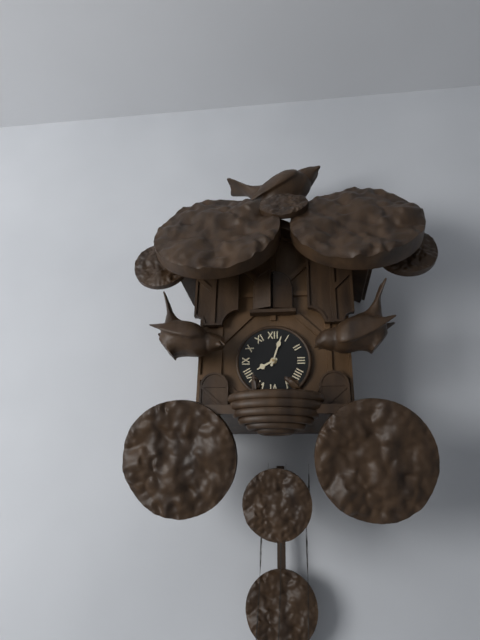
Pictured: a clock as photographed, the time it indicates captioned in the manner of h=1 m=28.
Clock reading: h=8 m=3
